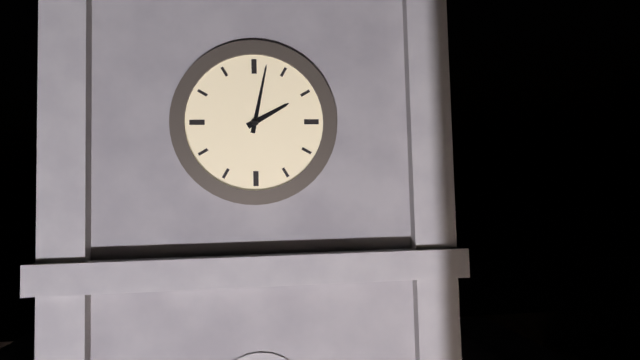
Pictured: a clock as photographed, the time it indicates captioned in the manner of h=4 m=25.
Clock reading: h=2 m=2
